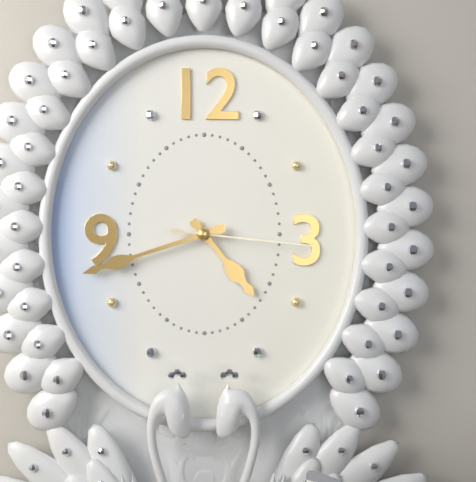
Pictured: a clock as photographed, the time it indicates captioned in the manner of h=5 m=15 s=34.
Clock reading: h=4 m=42 s=16
